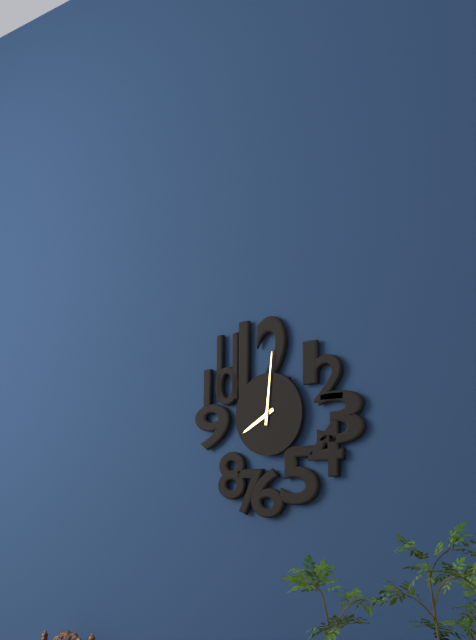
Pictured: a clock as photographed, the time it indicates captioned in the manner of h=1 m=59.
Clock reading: h=8 m=1
